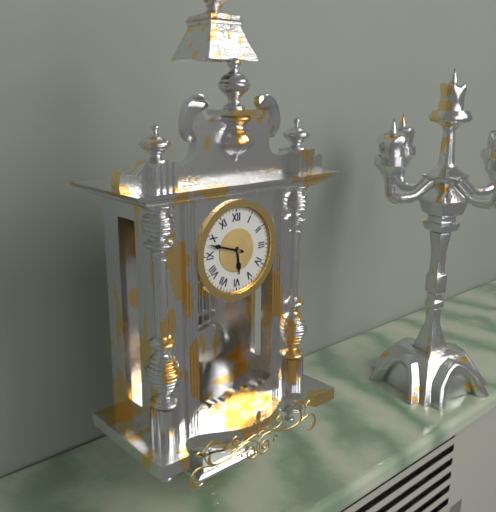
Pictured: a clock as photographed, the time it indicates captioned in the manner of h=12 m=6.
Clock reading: h=5 m=48
